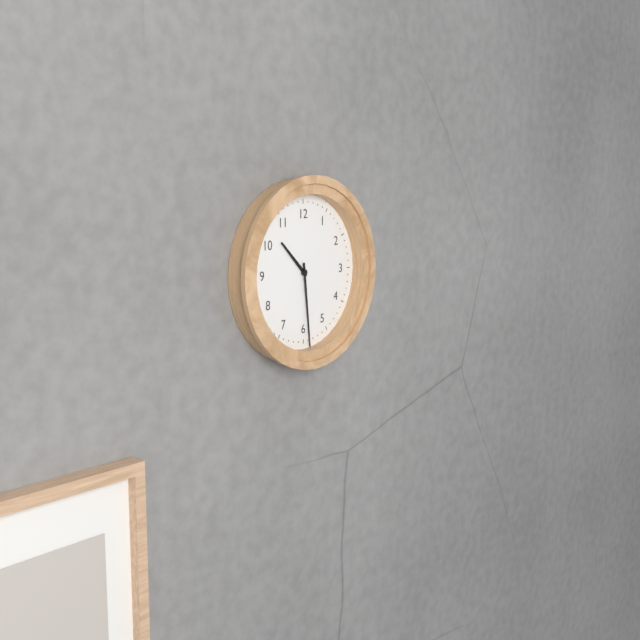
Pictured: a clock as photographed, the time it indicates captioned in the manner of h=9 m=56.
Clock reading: h=10 m=29
